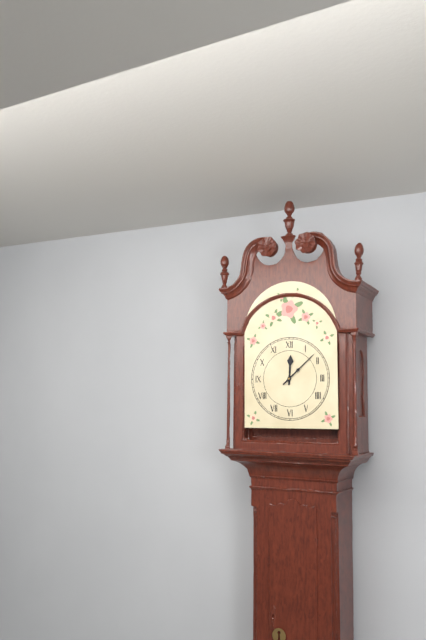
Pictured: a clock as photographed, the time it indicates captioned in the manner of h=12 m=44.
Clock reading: h=12 m=8
